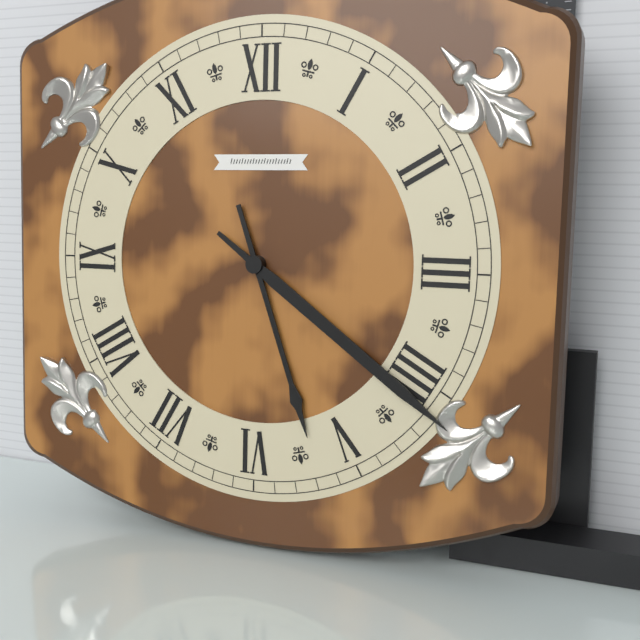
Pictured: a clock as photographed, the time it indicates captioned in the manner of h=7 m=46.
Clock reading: h=5 m=21
